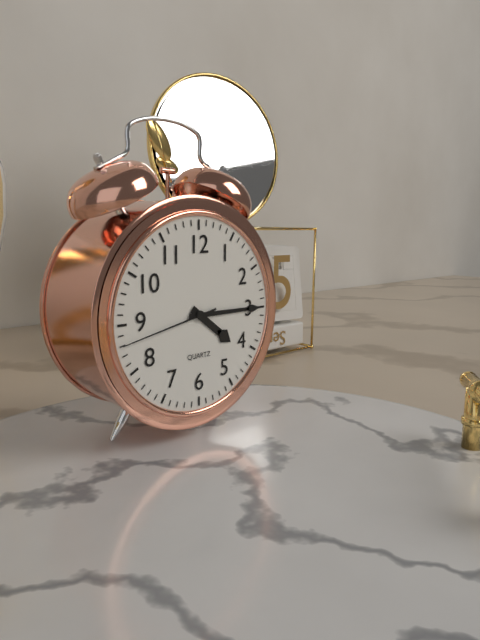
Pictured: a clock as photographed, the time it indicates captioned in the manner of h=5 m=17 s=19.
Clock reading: h=4 m=15 s=43
